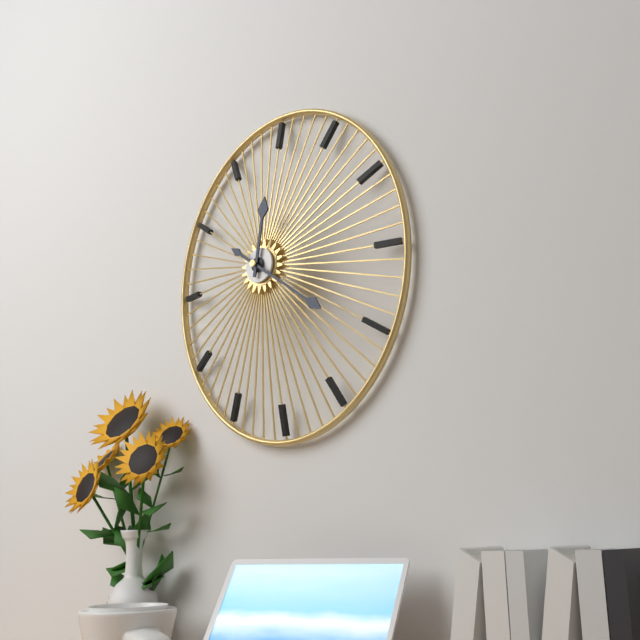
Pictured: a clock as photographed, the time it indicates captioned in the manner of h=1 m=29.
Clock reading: h=12 m=21
